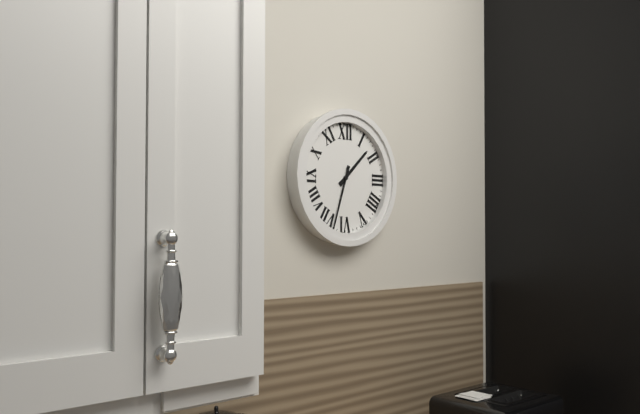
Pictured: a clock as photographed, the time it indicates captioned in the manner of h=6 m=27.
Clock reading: h=1 m=33
